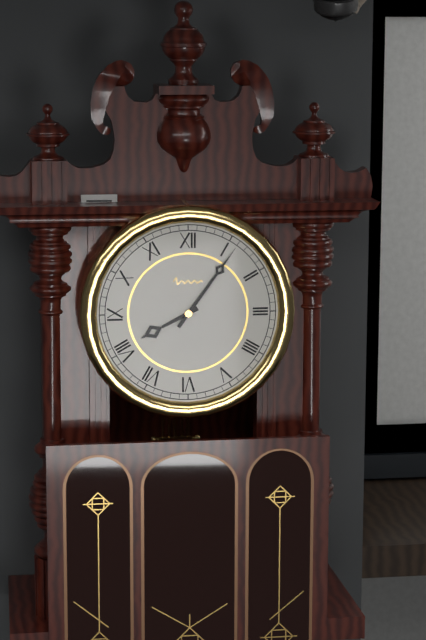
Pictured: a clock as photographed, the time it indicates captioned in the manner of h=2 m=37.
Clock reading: h=8 m=6
